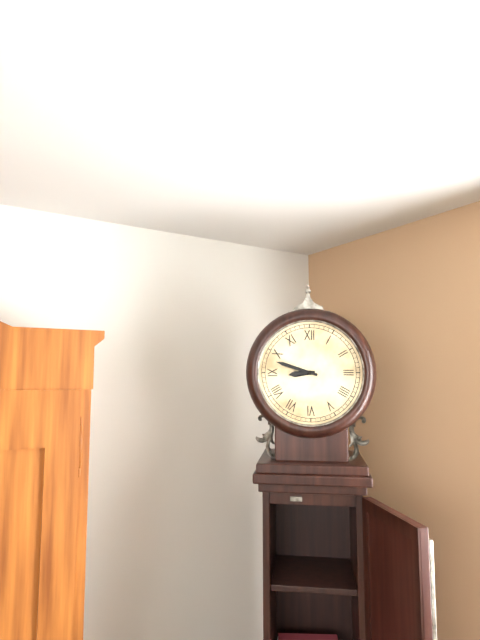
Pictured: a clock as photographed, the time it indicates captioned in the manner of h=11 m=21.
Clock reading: h=8 m=48
